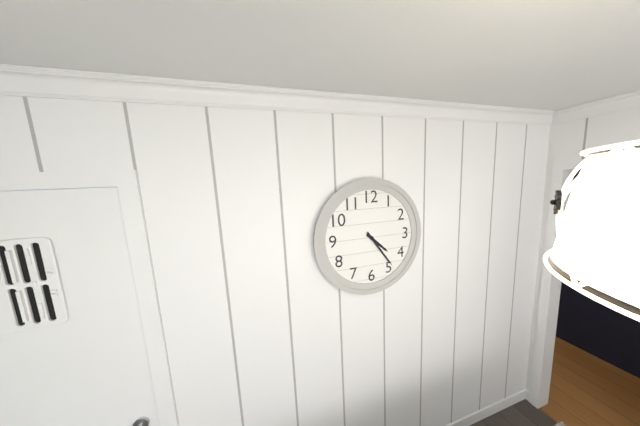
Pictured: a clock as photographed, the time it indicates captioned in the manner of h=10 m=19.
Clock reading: h=4 m=24
